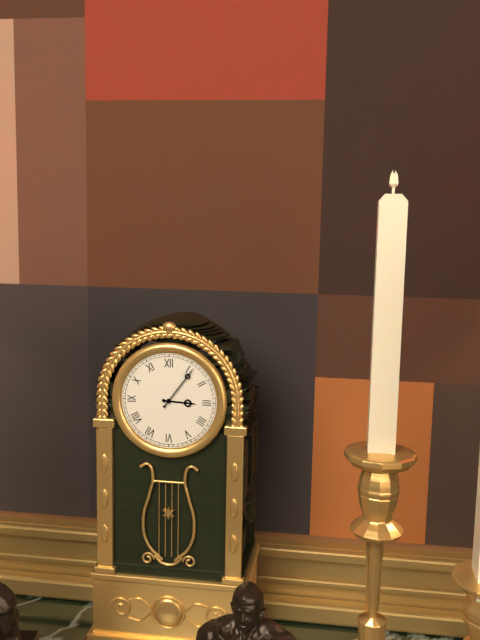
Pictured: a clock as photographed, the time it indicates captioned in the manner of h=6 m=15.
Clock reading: h=3 m=6
